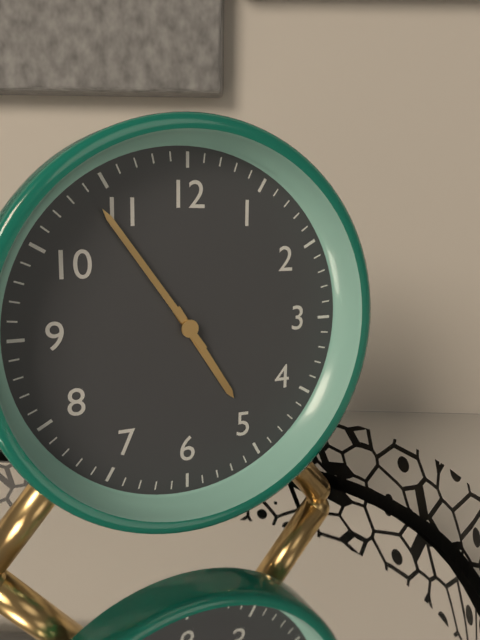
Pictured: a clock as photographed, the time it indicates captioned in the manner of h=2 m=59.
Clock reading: h=4 m=54
